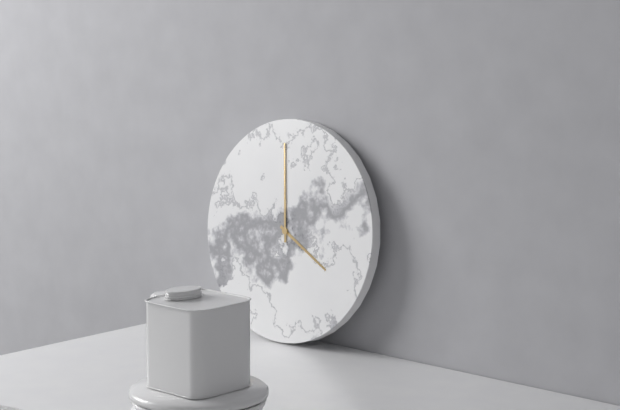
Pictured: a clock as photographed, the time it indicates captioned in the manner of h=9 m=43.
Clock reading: h=3 m=59
